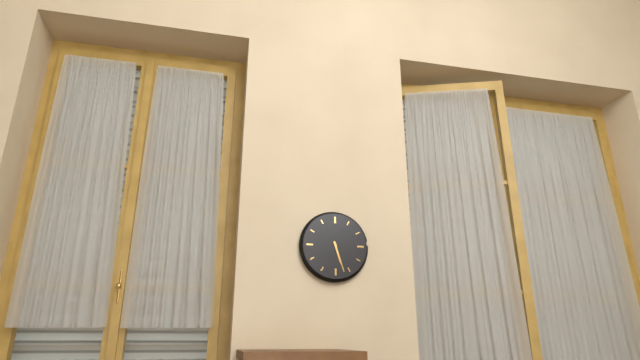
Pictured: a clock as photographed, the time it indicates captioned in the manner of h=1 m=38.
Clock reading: h=5 m=27
